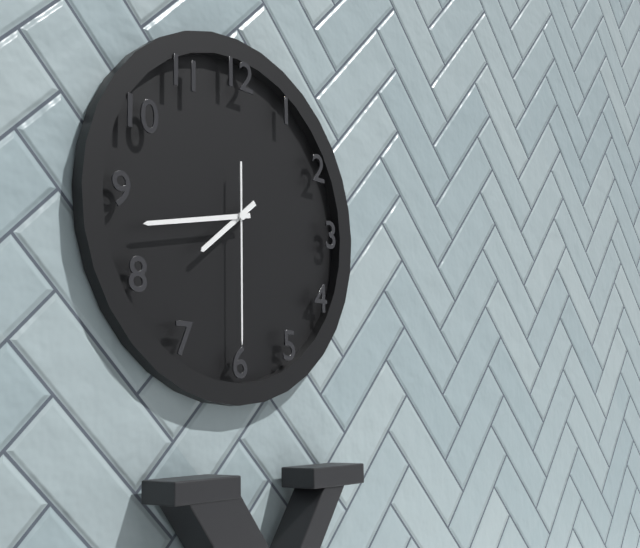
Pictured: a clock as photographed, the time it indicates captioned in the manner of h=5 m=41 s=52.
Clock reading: h=7 m=43 s=30
